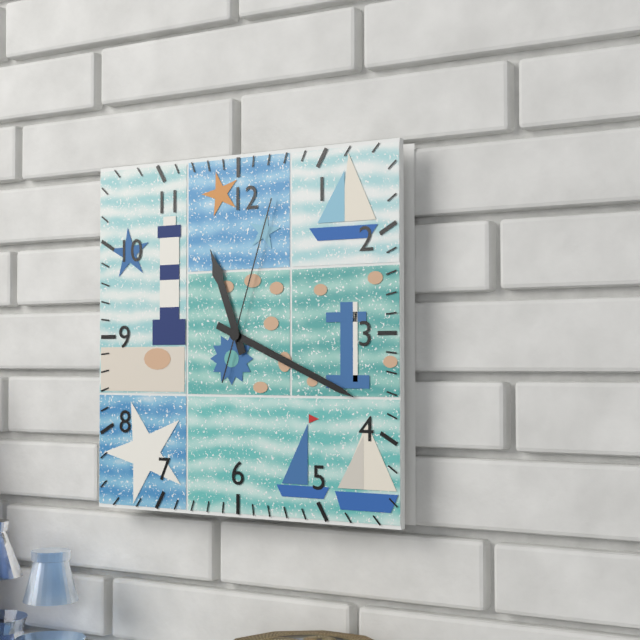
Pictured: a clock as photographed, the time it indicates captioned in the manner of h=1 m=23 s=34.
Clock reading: h=11 m=19 s=3
